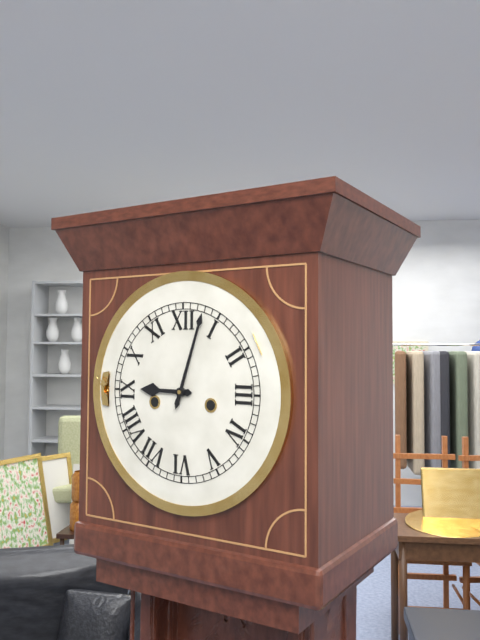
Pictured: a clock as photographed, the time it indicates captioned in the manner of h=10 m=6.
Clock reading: h=9 m=3
